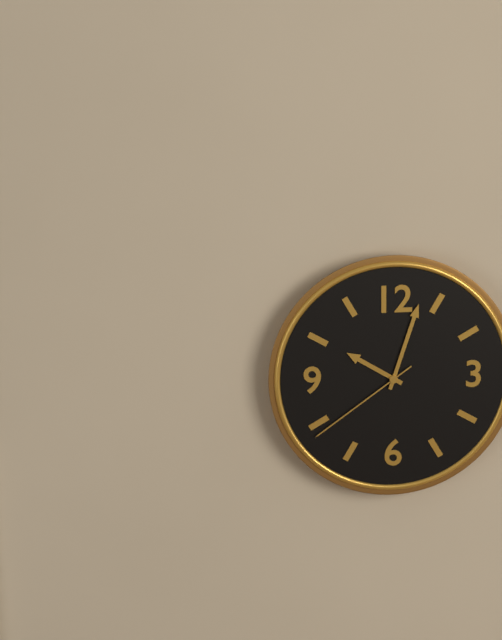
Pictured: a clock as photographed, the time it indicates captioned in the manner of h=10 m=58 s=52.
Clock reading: h=10 m=3 s=39
